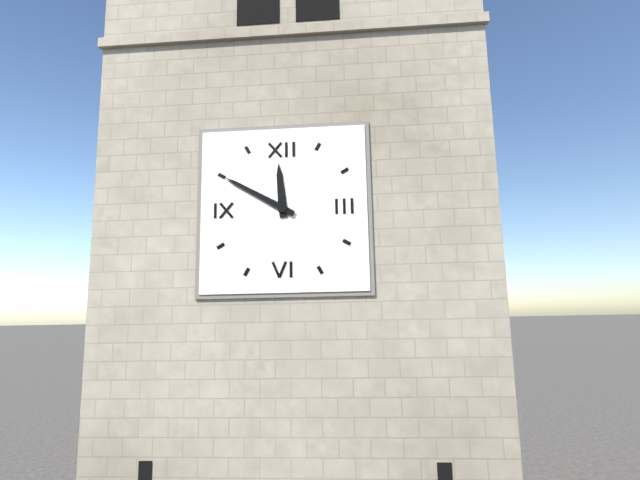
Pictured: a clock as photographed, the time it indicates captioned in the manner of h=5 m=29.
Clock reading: h=11 m=50
